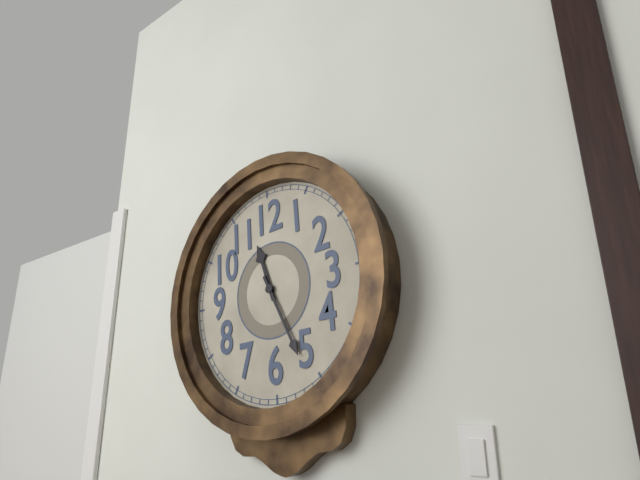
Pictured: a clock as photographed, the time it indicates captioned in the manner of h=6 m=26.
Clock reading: h=11 m=26
